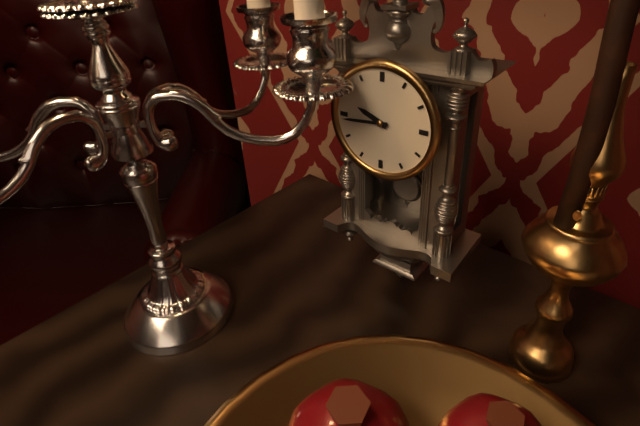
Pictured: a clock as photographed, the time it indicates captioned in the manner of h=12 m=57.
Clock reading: h=9 m=44
